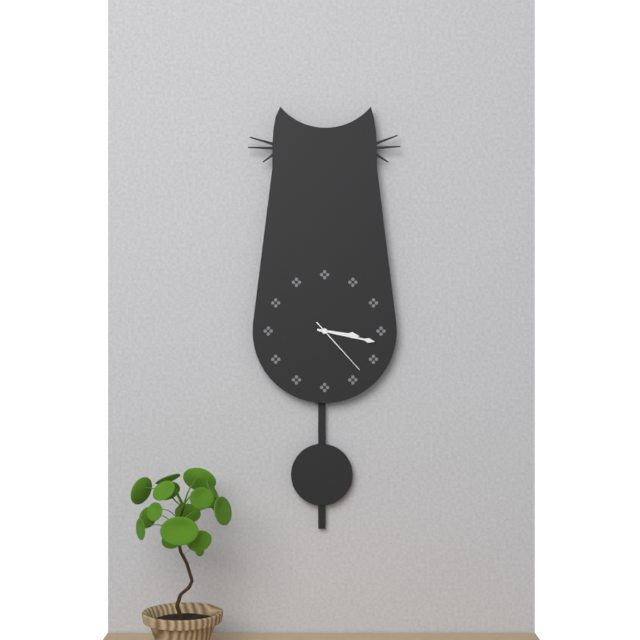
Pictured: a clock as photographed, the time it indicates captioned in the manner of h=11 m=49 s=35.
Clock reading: h=3 m=17 s=23
